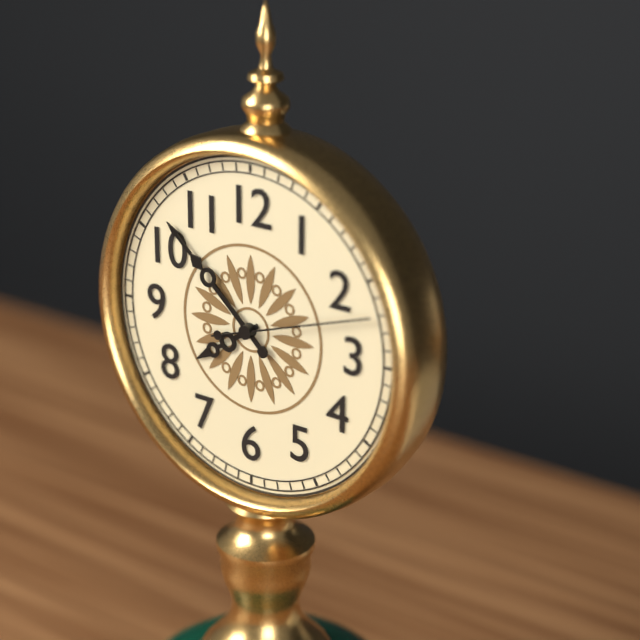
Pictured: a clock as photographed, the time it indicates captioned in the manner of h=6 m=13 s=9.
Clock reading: h=7 m=52 s=12
